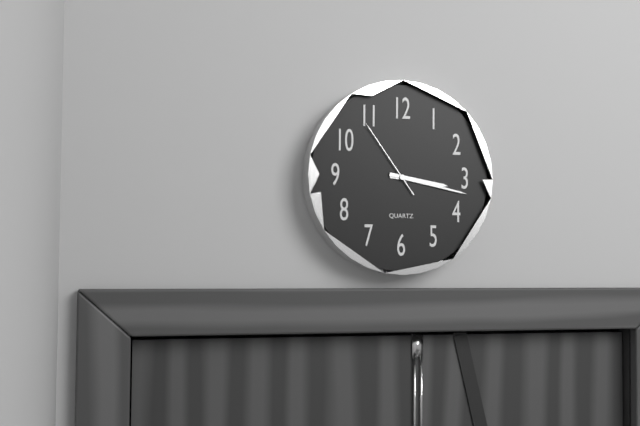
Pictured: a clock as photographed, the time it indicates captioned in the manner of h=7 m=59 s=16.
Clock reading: h=3 m=17 s=54
